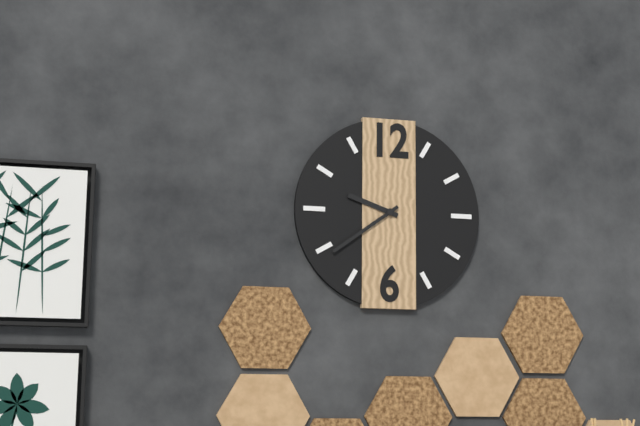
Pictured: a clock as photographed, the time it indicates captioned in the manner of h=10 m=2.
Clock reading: h=9 m=39
